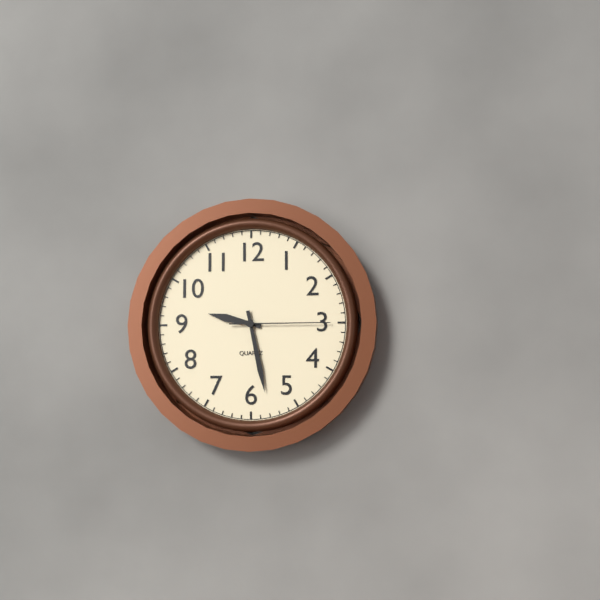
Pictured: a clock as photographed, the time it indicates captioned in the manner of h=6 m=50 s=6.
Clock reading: h=9 m=28 s=15
